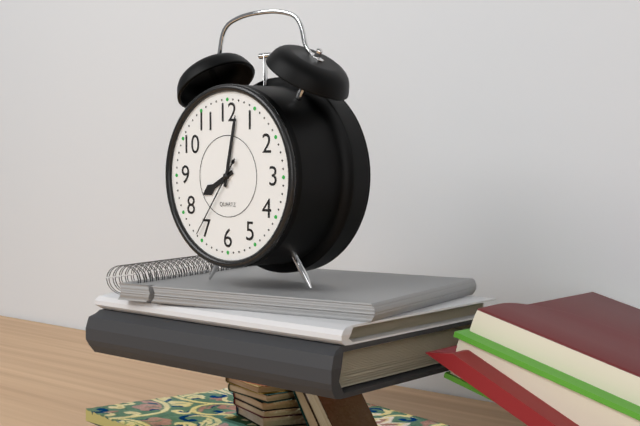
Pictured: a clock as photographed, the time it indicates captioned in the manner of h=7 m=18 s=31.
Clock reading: h=8 m=2 s=36
